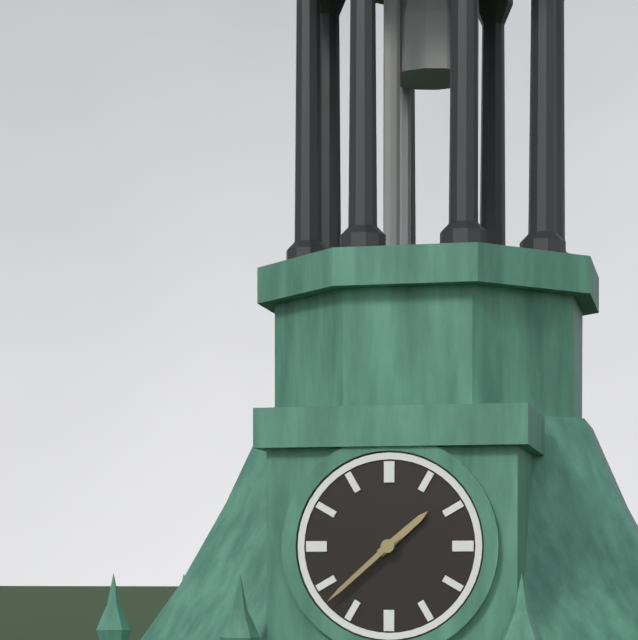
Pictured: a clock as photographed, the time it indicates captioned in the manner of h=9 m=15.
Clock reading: h=1 m=38
